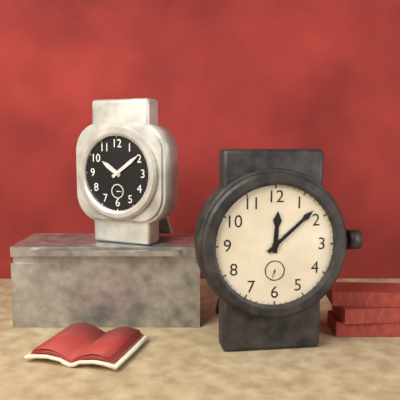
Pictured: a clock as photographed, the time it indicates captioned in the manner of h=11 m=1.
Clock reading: h=12 m=8
